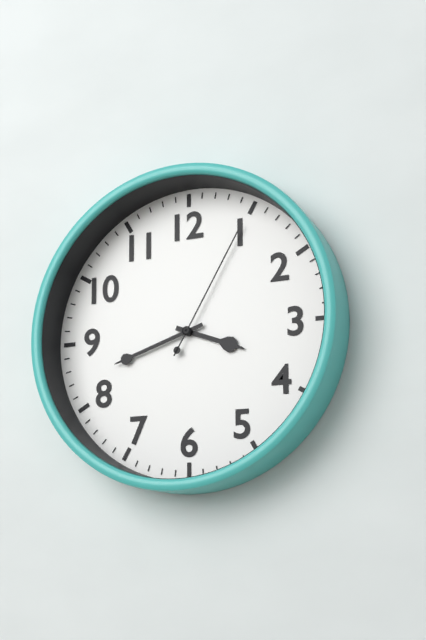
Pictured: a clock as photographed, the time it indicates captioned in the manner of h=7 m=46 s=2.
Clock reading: h=3 m=42 s=5
